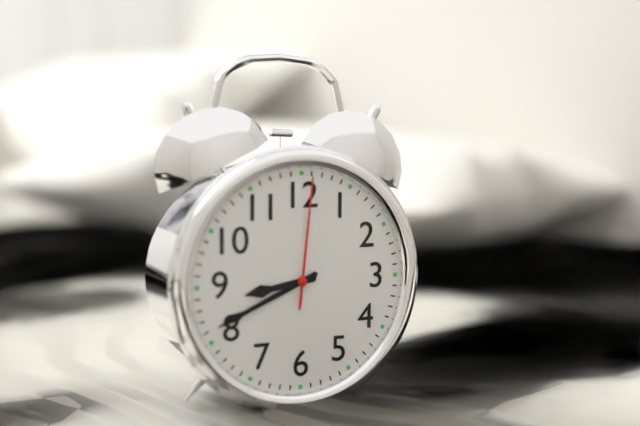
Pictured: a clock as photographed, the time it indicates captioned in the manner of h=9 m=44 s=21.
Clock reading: h=8 m=41 s=1
